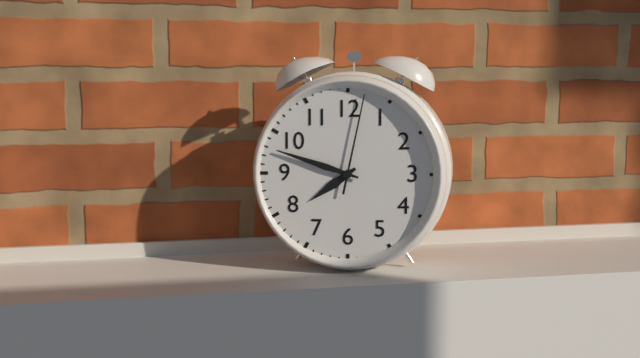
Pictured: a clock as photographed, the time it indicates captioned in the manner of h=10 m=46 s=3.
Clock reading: h=7 m=48 s=2
